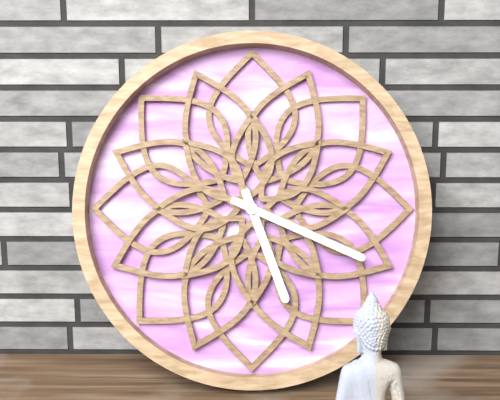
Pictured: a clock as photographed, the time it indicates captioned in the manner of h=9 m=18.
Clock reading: h=5 m=19
